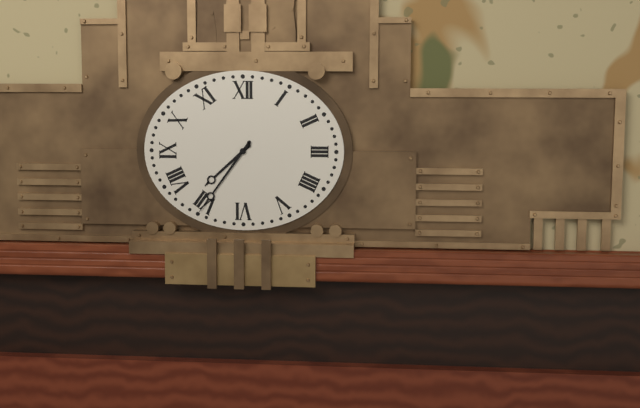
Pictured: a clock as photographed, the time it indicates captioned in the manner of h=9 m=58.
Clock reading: h=7 m=36
